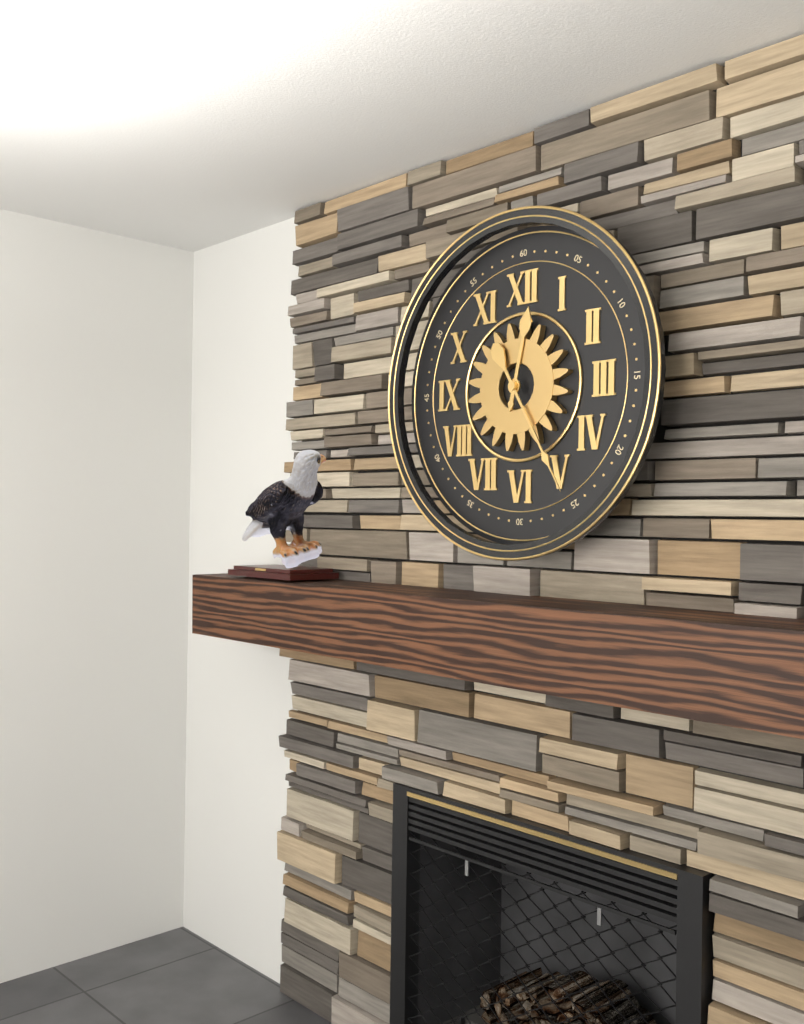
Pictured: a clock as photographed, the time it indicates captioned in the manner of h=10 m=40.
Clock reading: h=12 m=25
